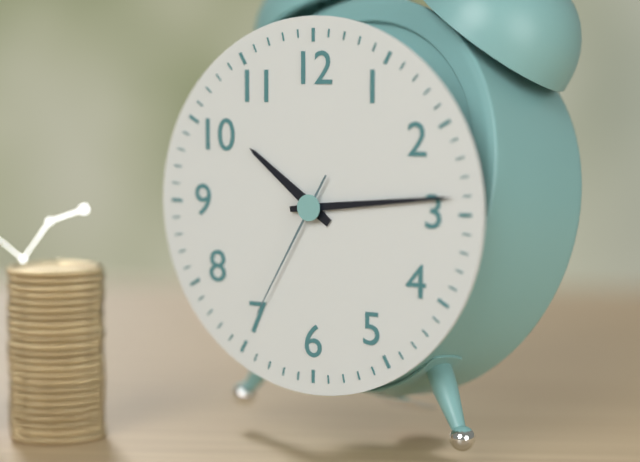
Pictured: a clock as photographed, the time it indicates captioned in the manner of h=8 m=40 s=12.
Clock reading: h=10 m=14 s=35
